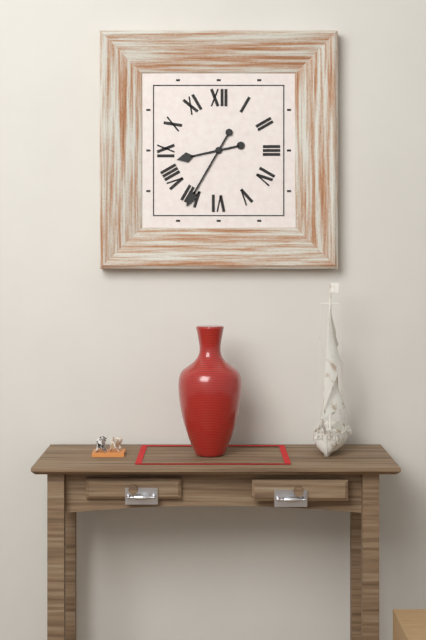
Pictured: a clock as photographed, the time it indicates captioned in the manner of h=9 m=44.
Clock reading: h=8 m=35
